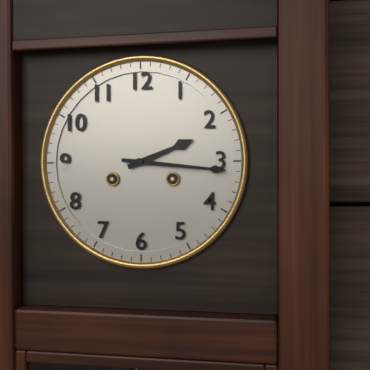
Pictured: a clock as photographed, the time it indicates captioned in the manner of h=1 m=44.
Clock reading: h=2 m=16
